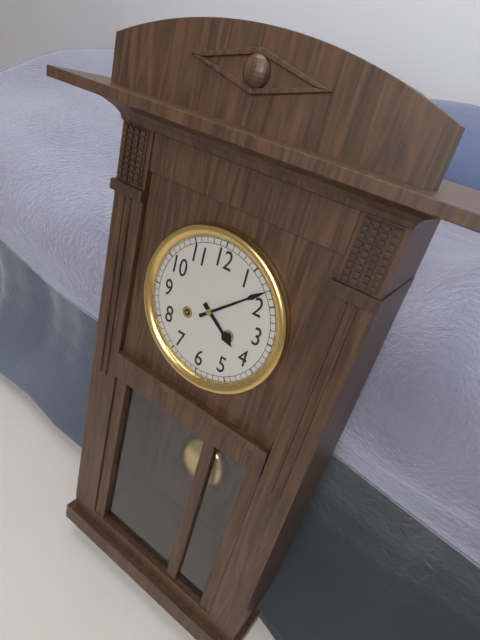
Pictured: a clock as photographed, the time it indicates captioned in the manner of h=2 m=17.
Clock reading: h=4 m=8
